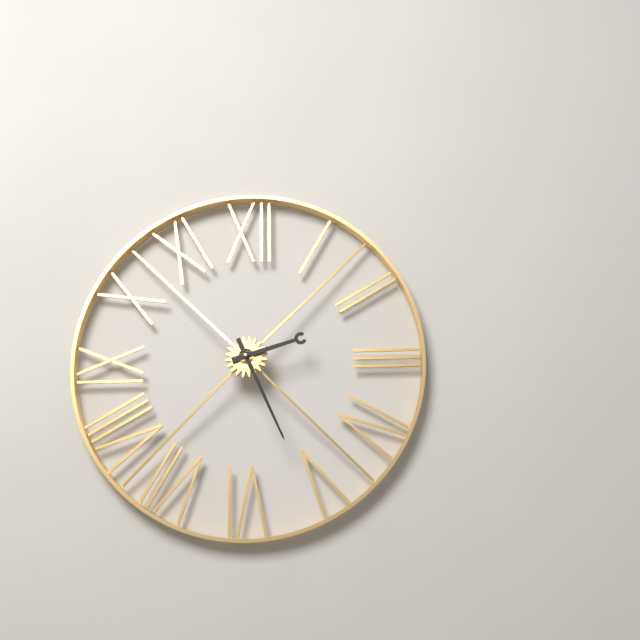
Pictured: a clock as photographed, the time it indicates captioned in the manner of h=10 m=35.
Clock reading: h=2 m=26
